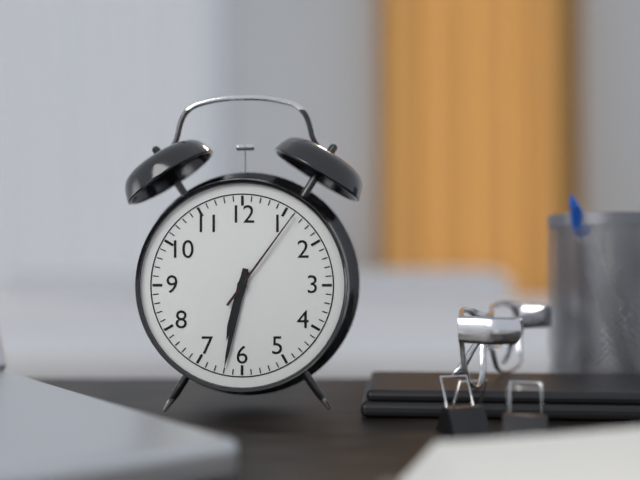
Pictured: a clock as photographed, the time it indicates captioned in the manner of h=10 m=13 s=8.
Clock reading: h=6 m=32 s=6
